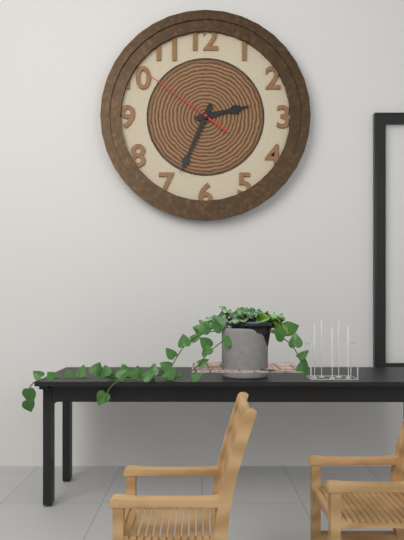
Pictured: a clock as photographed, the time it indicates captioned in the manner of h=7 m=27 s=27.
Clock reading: h=2 m=34 s=51
